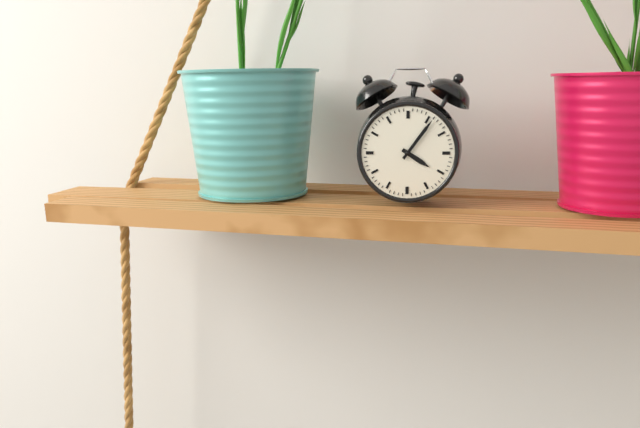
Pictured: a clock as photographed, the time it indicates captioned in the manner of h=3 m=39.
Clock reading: h=4 m=6
